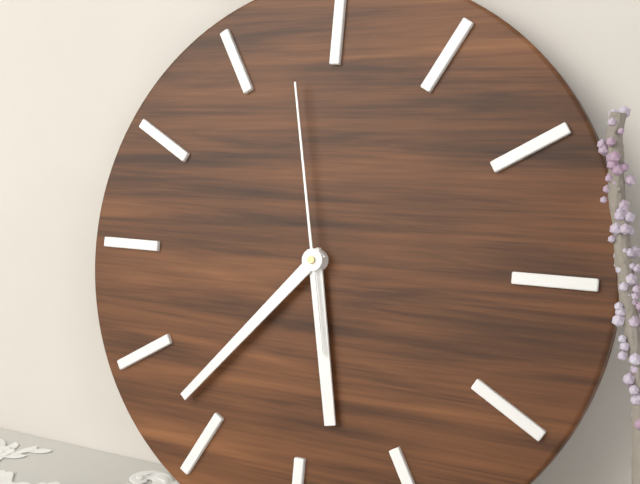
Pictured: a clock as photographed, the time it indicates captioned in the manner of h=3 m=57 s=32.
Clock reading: h=5 m=37 s=58
